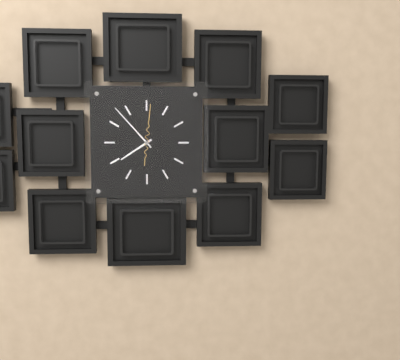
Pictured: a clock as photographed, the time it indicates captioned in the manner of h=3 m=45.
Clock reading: h=7 m=53
